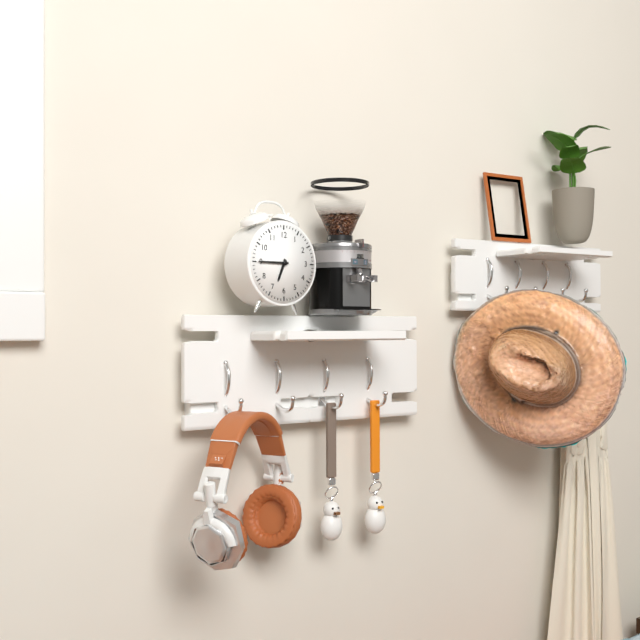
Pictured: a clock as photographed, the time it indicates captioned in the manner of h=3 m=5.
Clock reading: h=6 m=45
